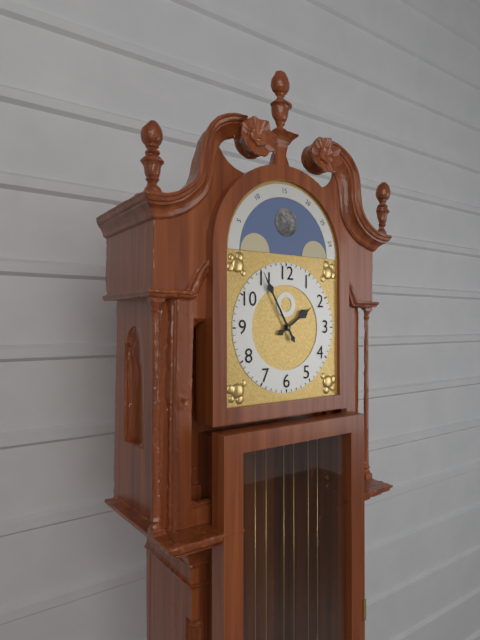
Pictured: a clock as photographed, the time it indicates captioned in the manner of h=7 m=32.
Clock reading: h=1 m=55
